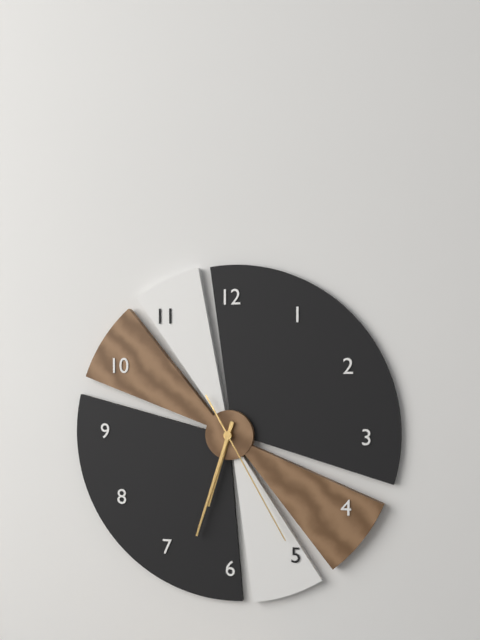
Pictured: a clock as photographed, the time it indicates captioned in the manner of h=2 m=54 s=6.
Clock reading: h=6 m=33 s=25
